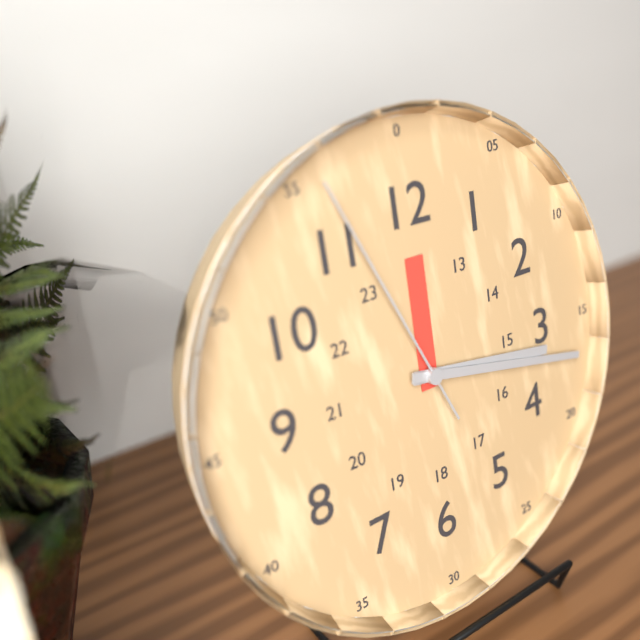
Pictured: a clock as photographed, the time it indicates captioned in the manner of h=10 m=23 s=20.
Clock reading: h=3 m=17 s=56
